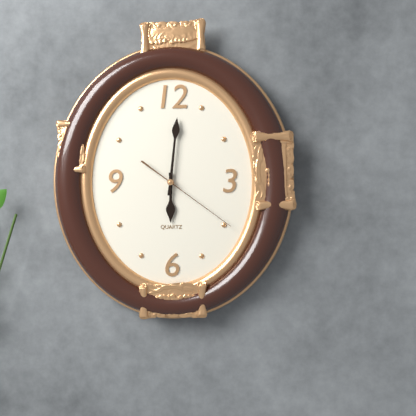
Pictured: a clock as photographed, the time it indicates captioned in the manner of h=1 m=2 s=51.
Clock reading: h=6 m=1 s=21
